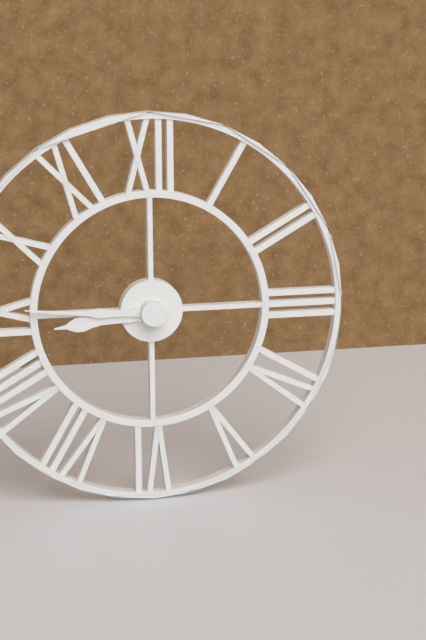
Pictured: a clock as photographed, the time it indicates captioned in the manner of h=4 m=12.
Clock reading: h=8 m=45
